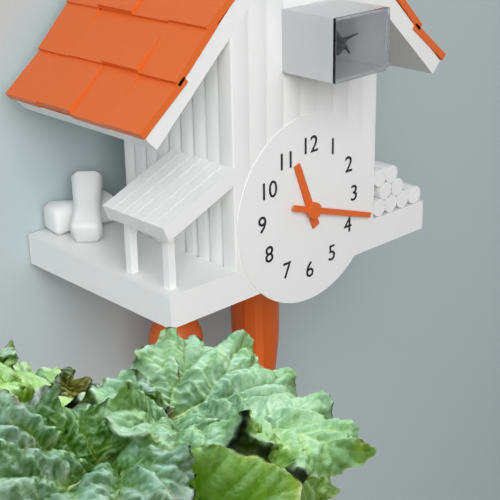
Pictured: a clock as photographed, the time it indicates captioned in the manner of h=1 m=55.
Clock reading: h=11 m=18
